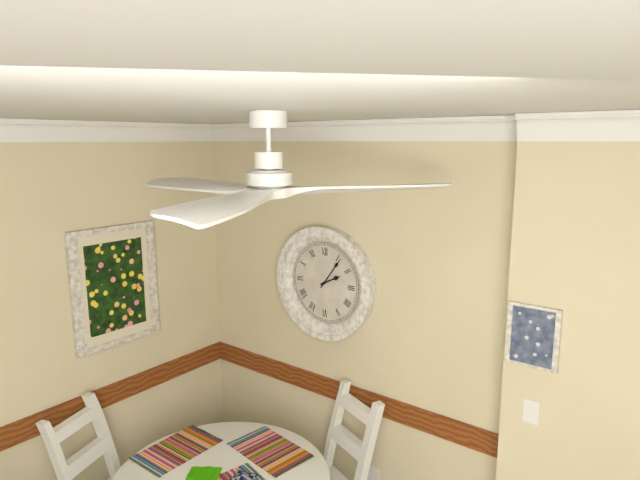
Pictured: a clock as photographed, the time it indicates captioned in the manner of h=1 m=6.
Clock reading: h=2 m=6
